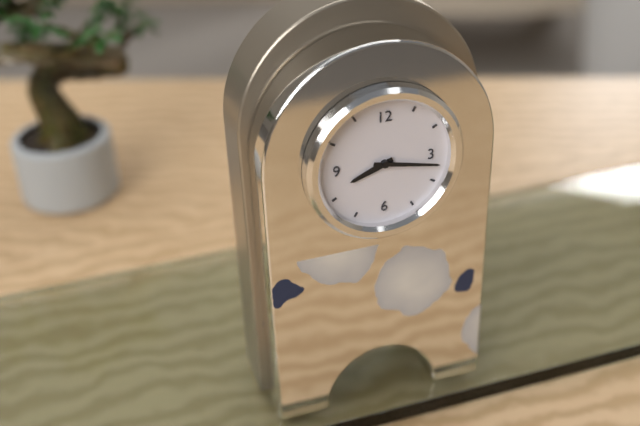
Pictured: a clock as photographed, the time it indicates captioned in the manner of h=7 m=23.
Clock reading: h=8 m=17
